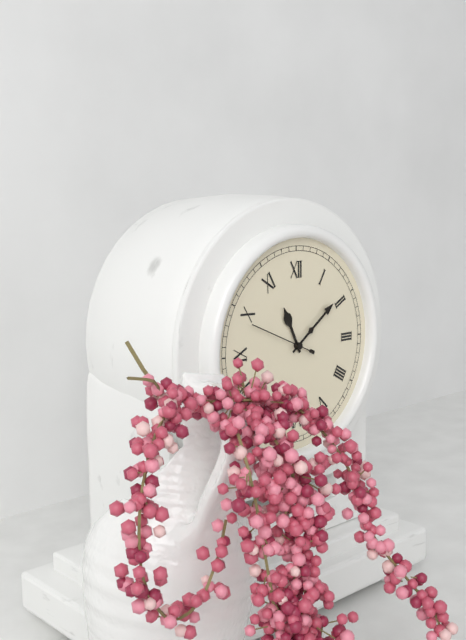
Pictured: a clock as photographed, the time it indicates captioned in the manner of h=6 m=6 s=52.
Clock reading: h=11 m=9 s=49
